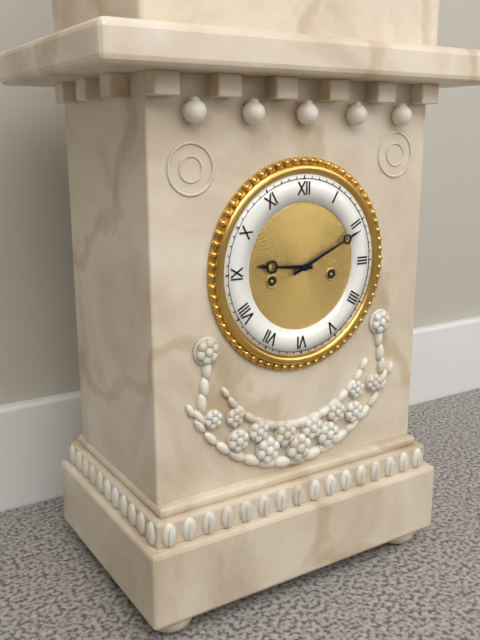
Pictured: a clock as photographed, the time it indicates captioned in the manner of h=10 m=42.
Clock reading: h=9 m=11
